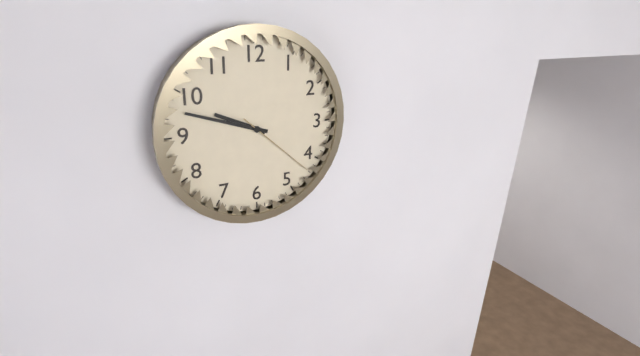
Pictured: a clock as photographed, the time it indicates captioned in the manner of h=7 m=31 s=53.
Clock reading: h=9 m=48 s=22
